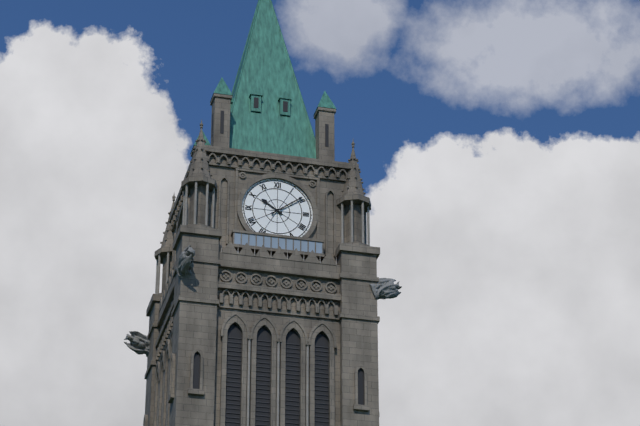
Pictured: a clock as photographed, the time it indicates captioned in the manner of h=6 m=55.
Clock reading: h=10 m=9
